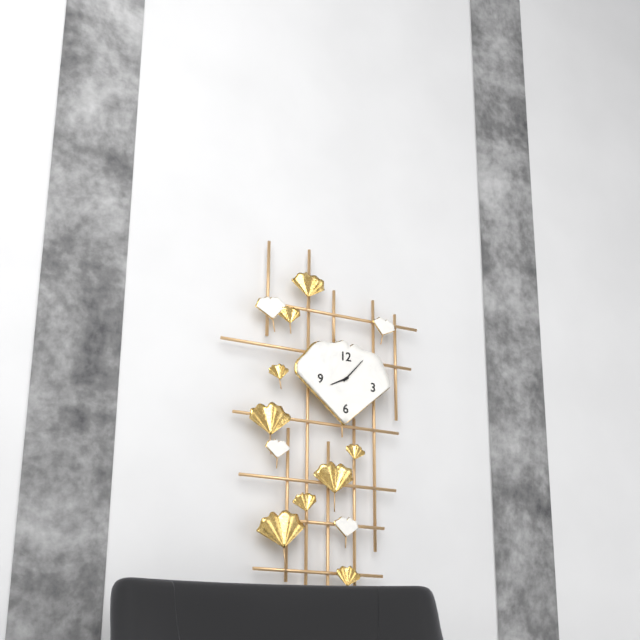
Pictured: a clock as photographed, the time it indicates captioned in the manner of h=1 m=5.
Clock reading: h=8 m=7
